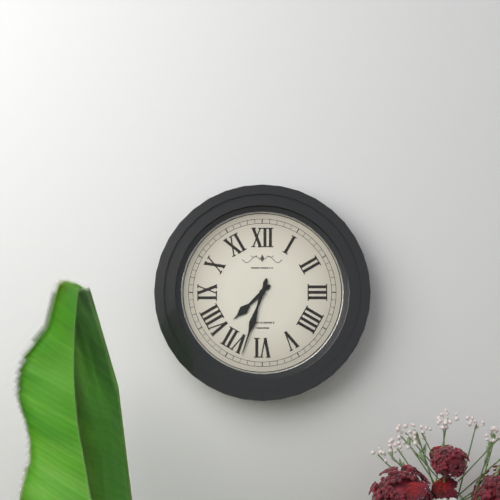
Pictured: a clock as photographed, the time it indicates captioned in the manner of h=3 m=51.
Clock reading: h=7 m=33
